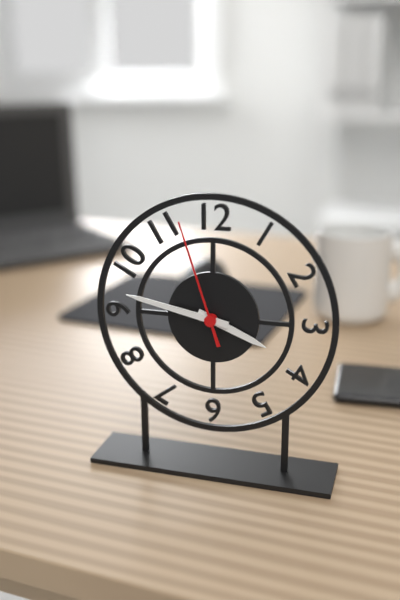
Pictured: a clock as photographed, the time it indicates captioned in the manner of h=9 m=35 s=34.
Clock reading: h=3 m=47 s=57
